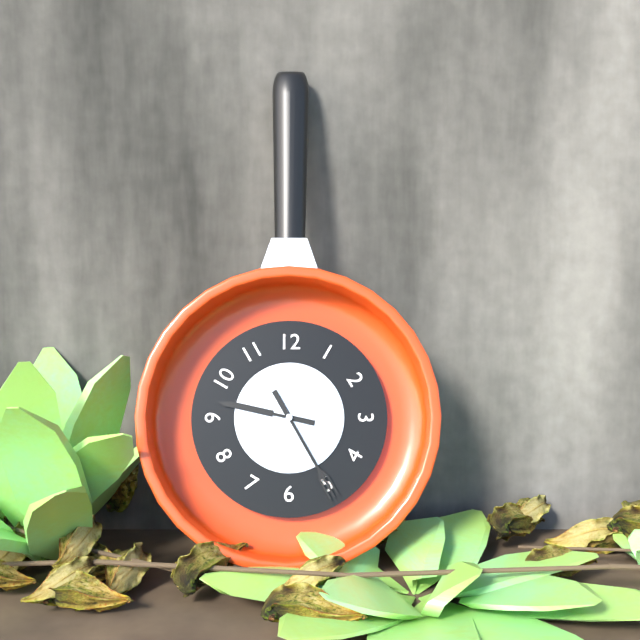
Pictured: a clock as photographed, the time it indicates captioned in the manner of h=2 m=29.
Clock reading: h=9 m=25
